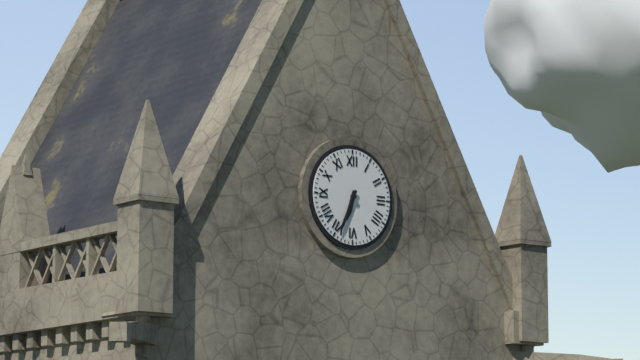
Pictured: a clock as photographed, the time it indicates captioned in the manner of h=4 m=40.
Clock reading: h=6 m=34
